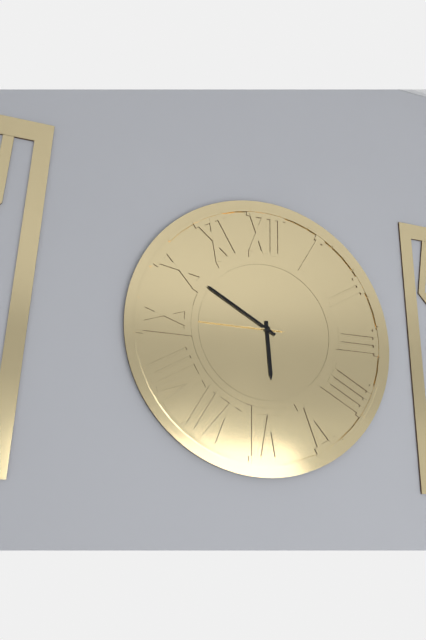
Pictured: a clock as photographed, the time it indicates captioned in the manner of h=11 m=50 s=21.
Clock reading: h=5 m=50 s=45
